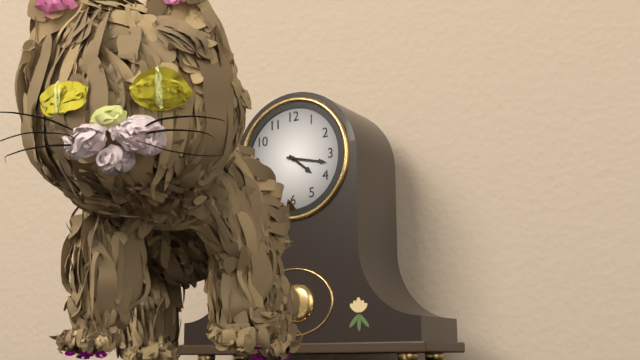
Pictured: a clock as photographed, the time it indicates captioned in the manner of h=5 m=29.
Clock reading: h=4 m=17
